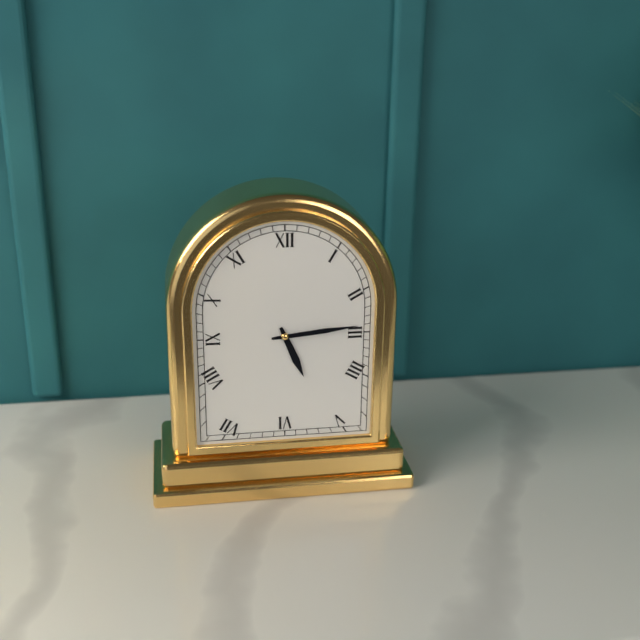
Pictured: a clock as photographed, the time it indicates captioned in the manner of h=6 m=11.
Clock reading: h=5 m=14
